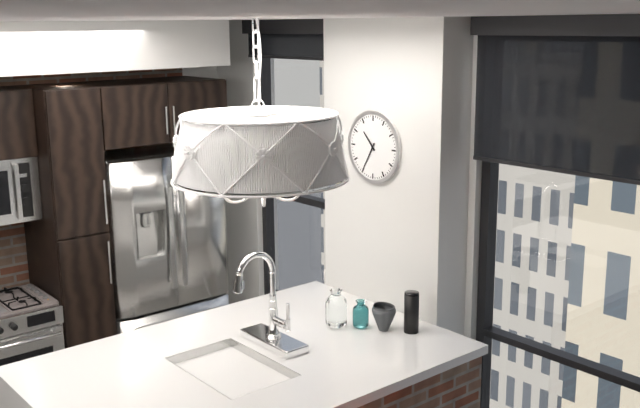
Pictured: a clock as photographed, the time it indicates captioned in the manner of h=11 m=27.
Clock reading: h=10 m=35
